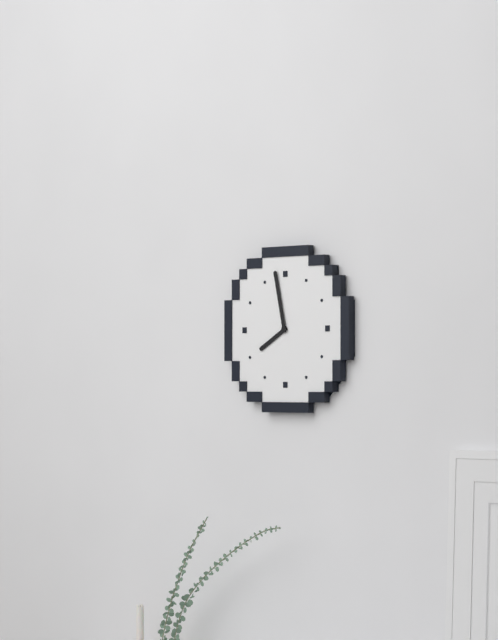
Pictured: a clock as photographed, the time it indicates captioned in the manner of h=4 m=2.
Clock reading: h=7 m=58
